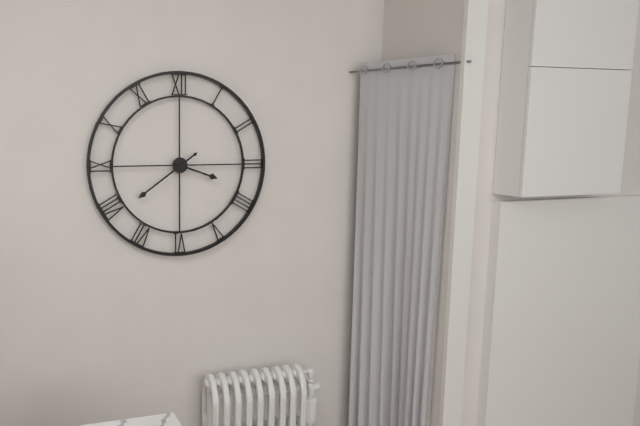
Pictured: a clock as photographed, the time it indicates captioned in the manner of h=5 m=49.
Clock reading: h=3 m=39
